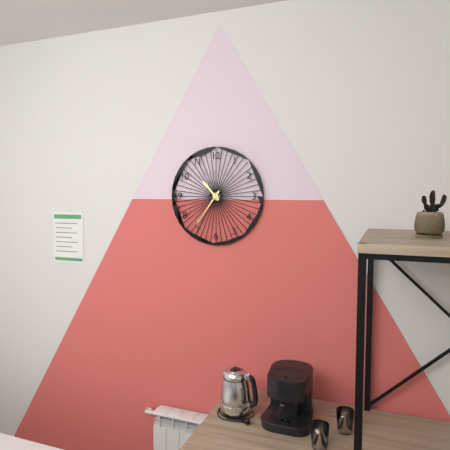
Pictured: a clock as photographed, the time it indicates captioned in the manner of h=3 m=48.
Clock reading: h=10 m=36
